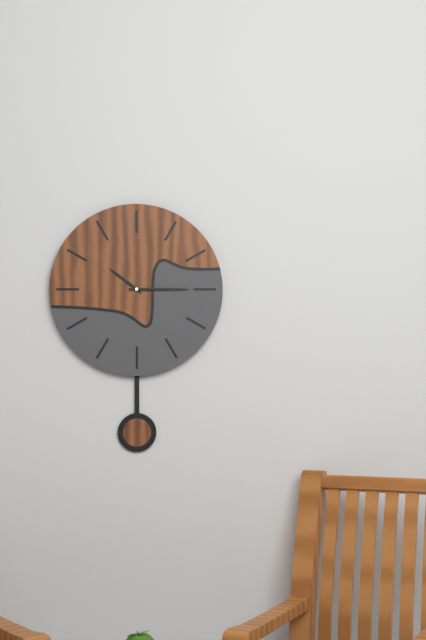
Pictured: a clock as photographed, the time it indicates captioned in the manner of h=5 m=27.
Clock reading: h=10 m=15
